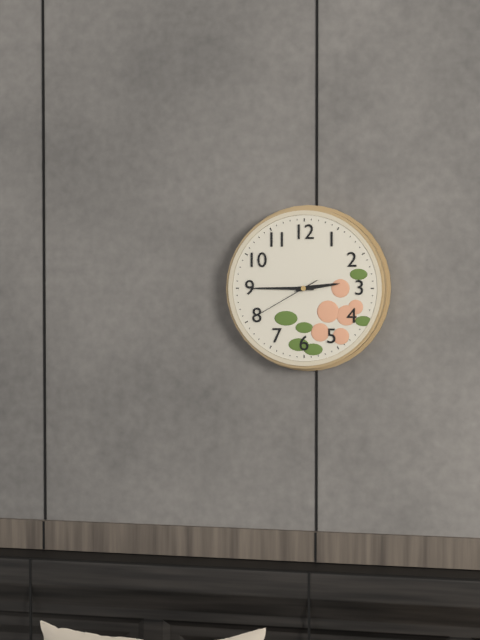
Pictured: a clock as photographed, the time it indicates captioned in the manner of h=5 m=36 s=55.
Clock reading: h=2 m=45 s=40
